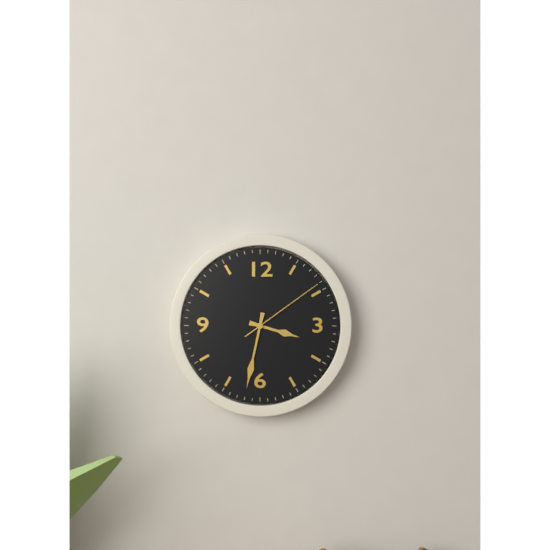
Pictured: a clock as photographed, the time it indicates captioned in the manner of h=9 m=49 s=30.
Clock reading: h=3 m=32 s=9
